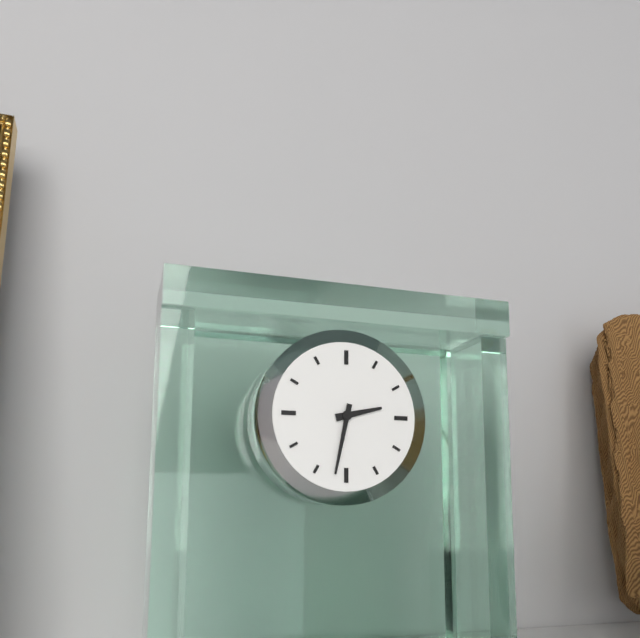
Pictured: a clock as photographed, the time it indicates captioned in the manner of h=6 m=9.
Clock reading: h=2 m=32
